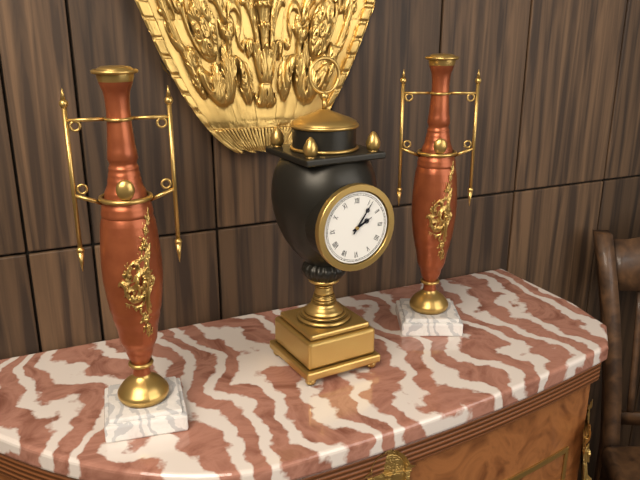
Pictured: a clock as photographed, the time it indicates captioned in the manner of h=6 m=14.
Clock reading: h=2 m=6
